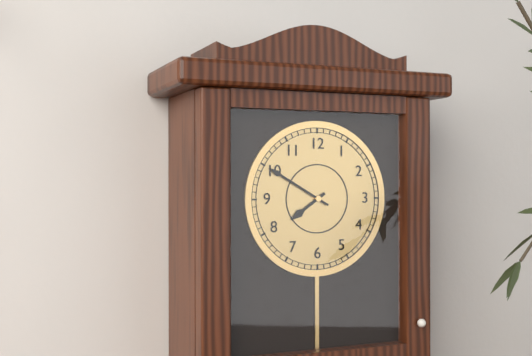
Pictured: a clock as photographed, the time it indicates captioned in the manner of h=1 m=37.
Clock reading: h=7 m=50
